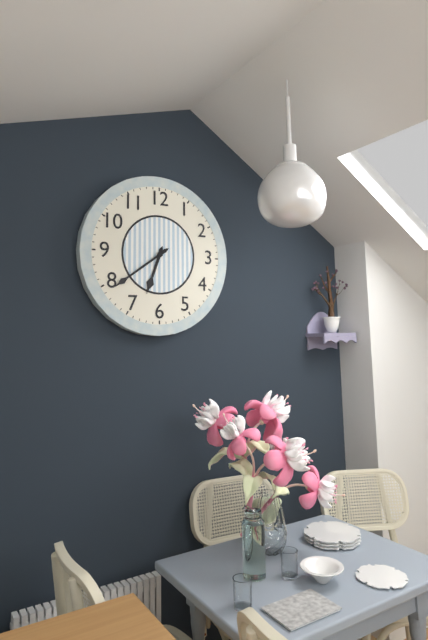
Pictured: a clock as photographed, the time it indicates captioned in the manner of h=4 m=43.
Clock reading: h=6 m=39
